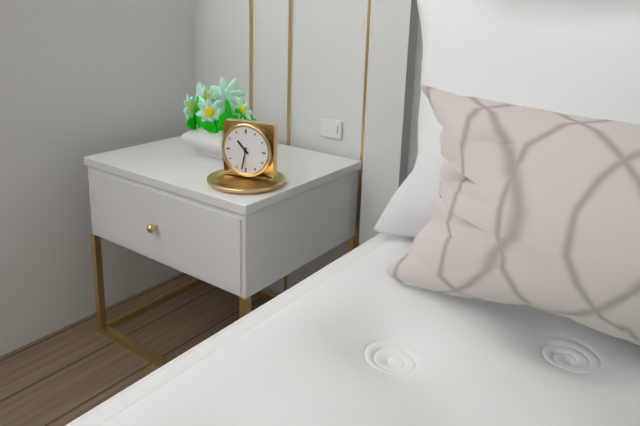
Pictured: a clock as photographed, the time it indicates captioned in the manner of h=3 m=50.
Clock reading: h=10 m=32
